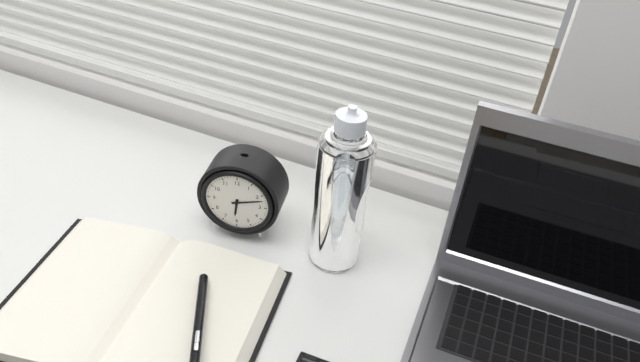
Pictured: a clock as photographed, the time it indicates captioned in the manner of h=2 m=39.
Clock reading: h=6 m=12
